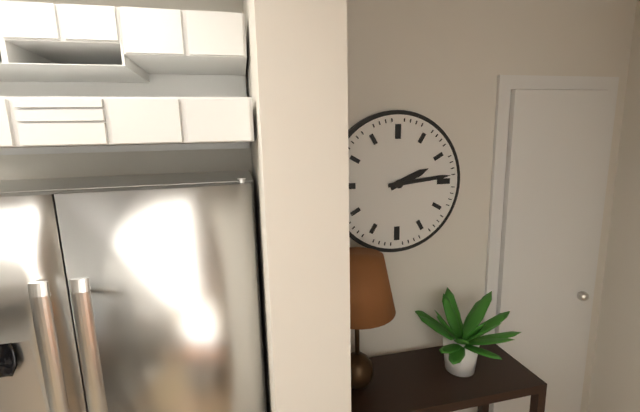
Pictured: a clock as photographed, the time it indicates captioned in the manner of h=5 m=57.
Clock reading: h=2 m=14
